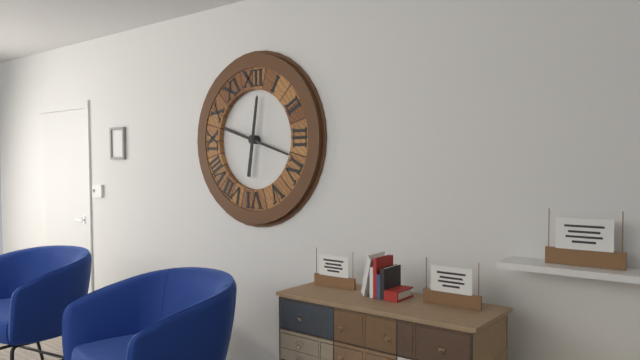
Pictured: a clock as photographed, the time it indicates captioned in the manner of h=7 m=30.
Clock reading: h=12 m=18
